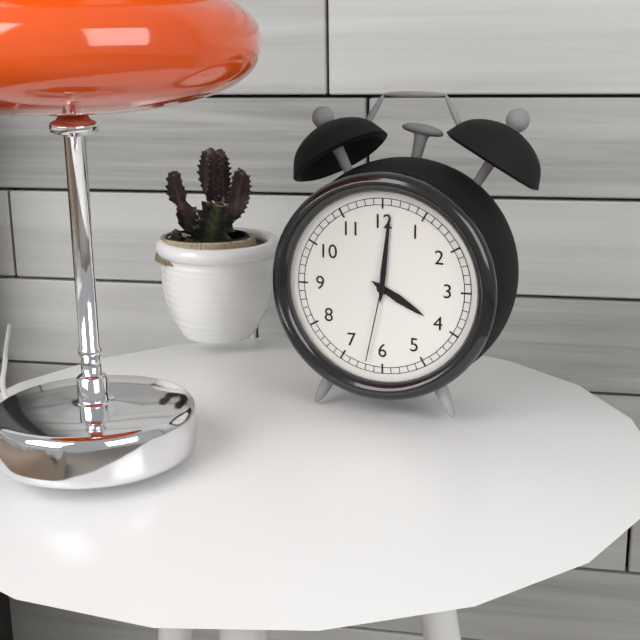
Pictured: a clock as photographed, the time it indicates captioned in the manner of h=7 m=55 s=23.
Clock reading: h=4 m=1 s=32
